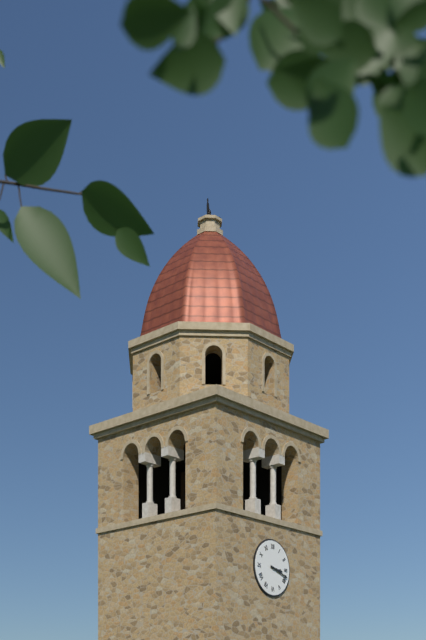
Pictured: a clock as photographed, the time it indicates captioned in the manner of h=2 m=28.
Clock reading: h=3 m=18
